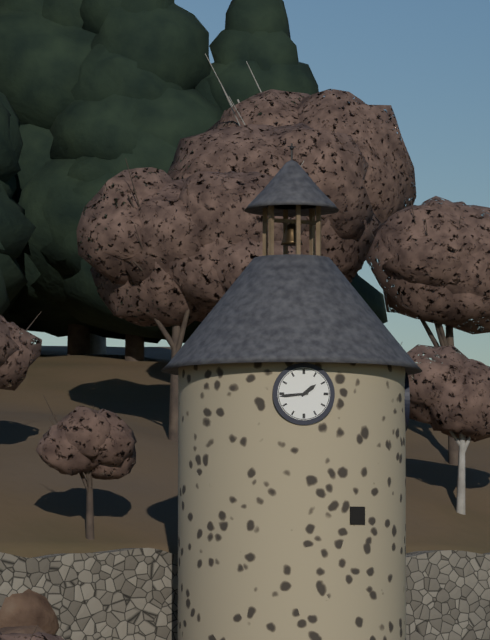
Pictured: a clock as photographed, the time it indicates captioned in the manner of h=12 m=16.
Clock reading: h=1 m=44
